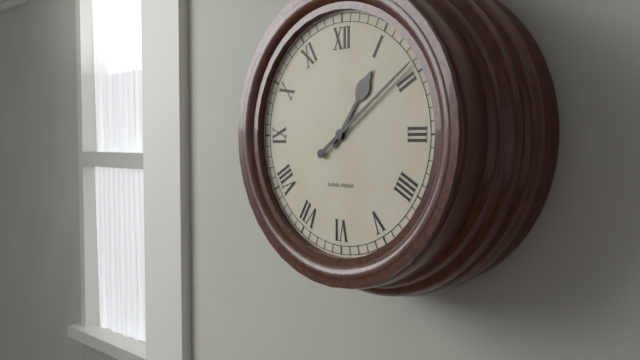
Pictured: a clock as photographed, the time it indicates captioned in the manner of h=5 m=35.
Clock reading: h=1 m=9
